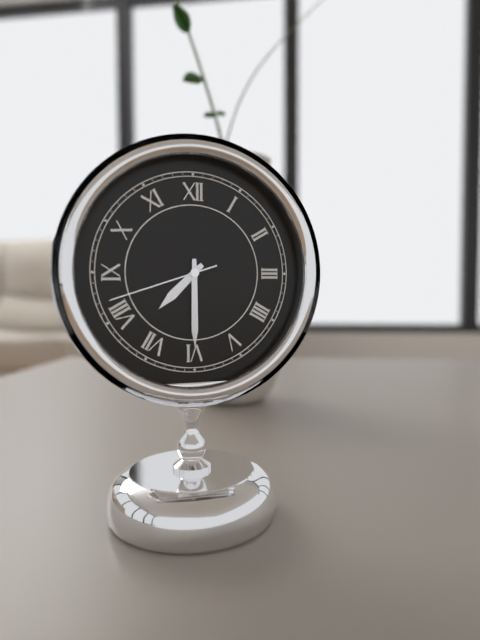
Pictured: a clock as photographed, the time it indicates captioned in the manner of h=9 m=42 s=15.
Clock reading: h=7 m=30 s=42
